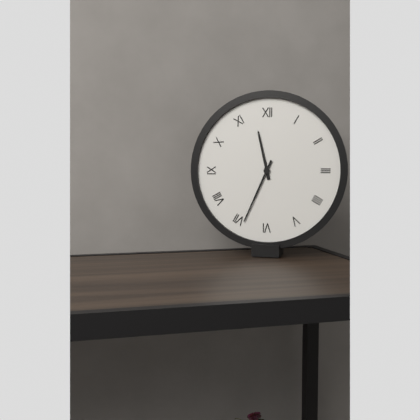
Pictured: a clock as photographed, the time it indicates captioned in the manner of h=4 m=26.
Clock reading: h=11 m=34
